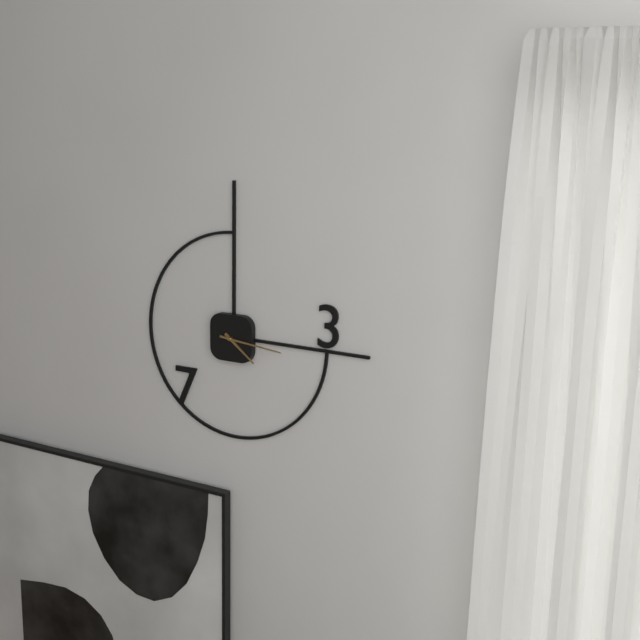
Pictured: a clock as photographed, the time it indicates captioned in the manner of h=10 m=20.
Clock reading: h=4 m=16
